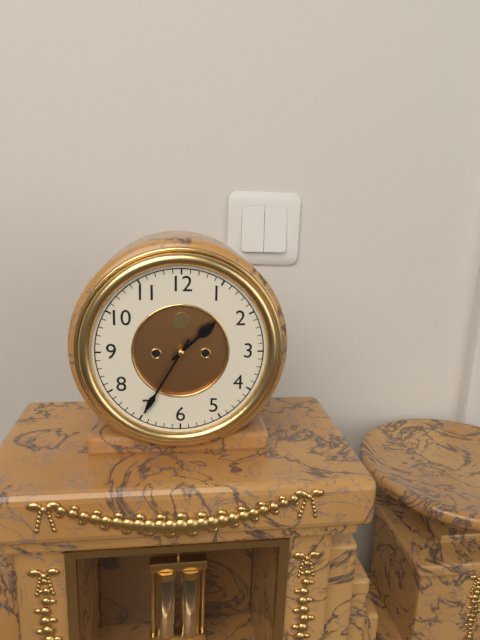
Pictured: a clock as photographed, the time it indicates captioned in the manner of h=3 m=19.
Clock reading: h=1 m=35
